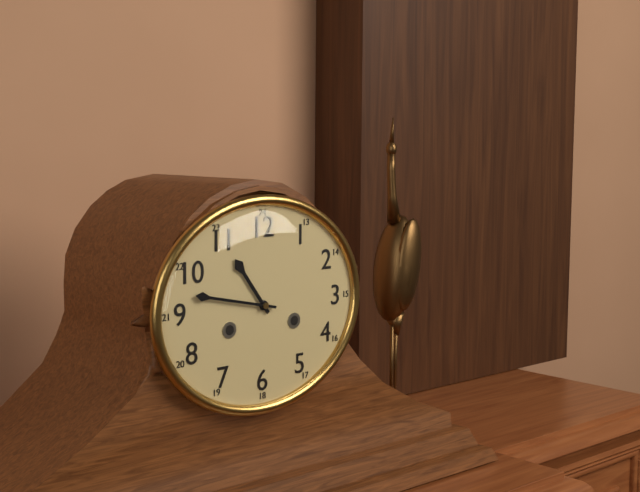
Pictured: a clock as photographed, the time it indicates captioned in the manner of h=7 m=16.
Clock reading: h=10 m=47
